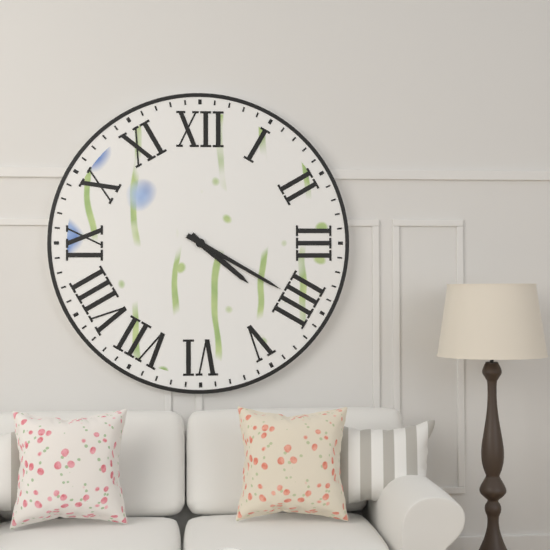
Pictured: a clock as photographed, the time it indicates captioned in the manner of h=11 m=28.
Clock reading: h=4 m=20
